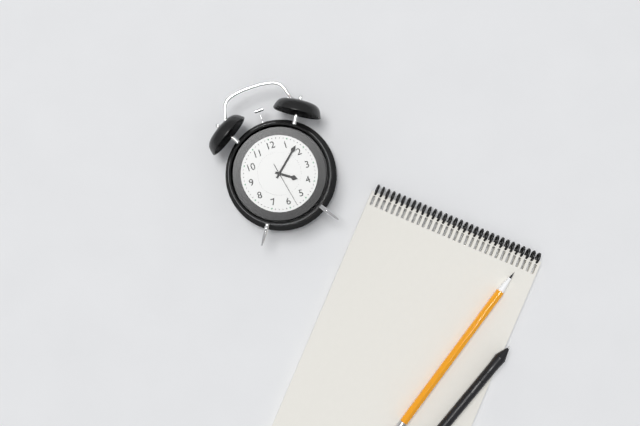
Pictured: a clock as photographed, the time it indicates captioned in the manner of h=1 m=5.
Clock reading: h=4 m=8
